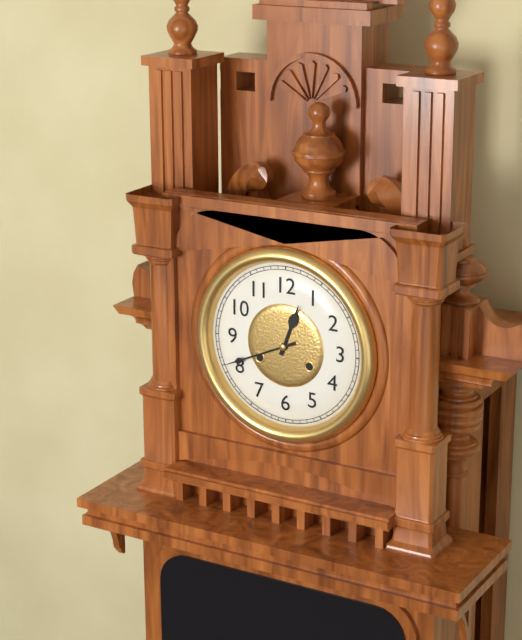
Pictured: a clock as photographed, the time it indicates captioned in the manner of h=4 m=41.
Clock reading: h=12 m=41
